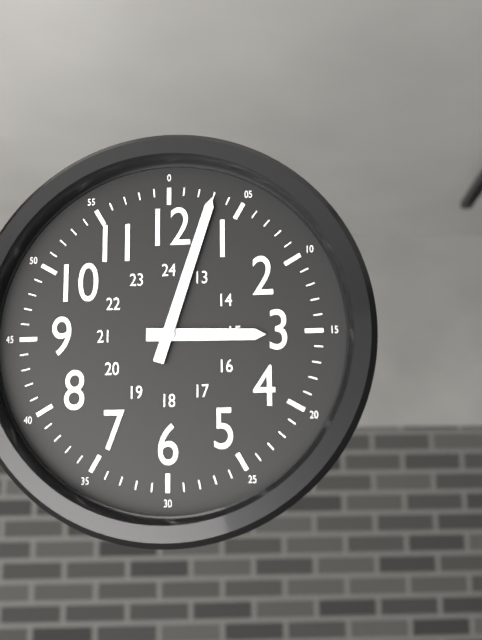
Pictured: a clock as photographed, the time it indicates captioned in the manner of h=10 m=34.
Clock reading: h=3 m=3
